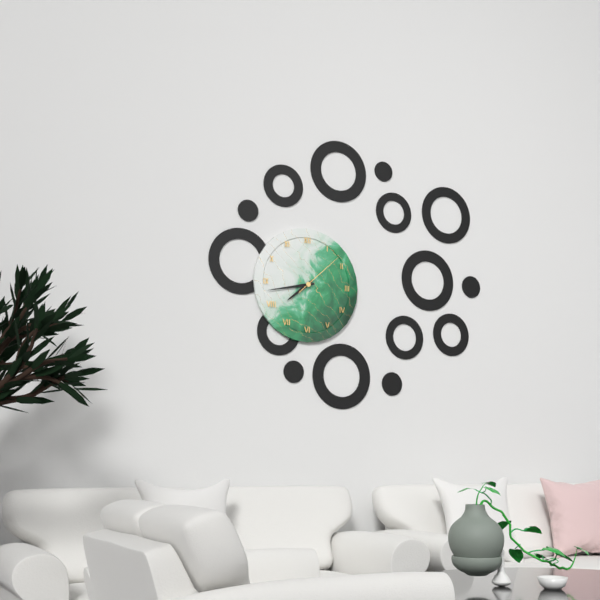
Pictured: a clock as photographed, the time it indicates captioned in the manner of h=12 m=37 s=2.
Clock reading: h=7 m=43 s=8
